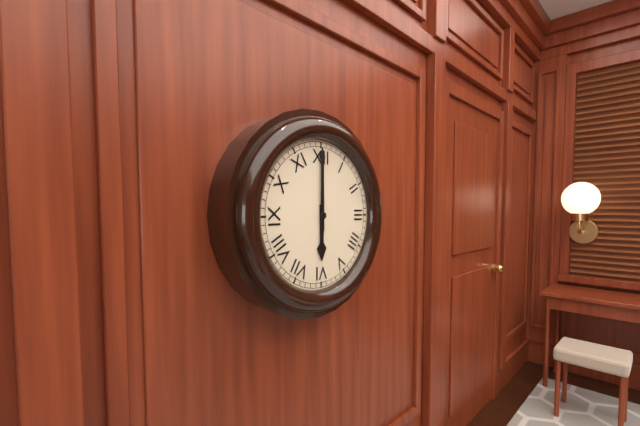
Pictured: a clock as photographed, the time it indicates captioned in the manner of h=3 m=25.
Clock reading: h=6 m=0
